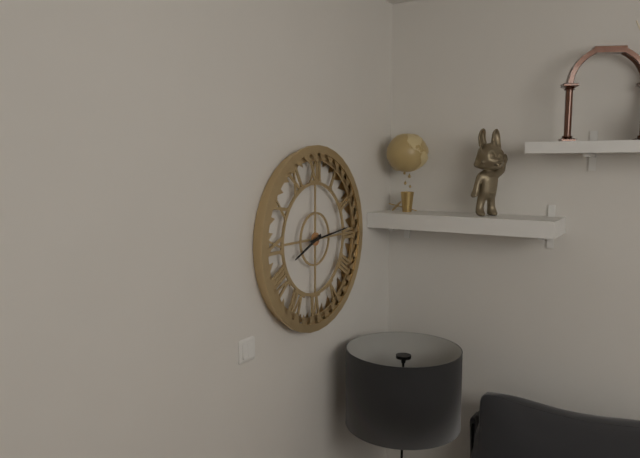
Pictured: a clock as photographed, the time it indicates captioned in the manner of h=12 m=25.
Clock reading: h=8 m=14
